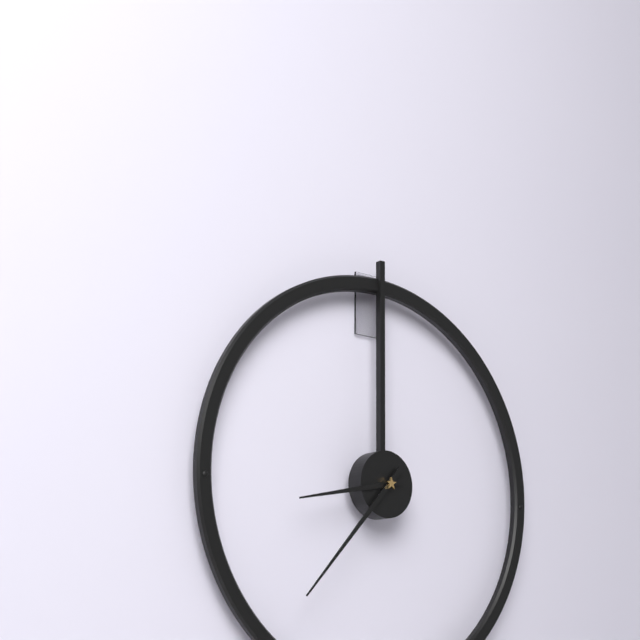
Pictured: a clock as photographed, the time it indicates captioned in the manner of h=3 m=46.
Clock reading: h=8 m=37
